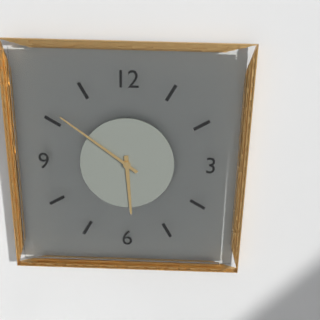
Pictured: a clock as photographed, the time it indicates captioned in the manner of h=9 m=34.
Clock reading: h=5 m=51
